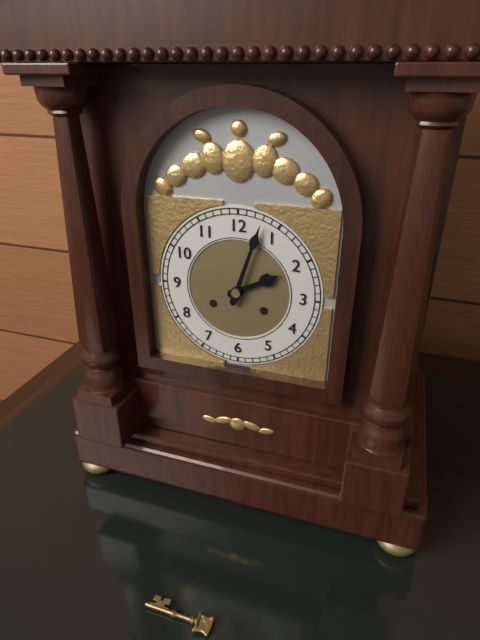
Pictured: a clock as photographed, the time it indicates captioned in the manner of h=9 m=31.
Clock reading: h=2 m=3
